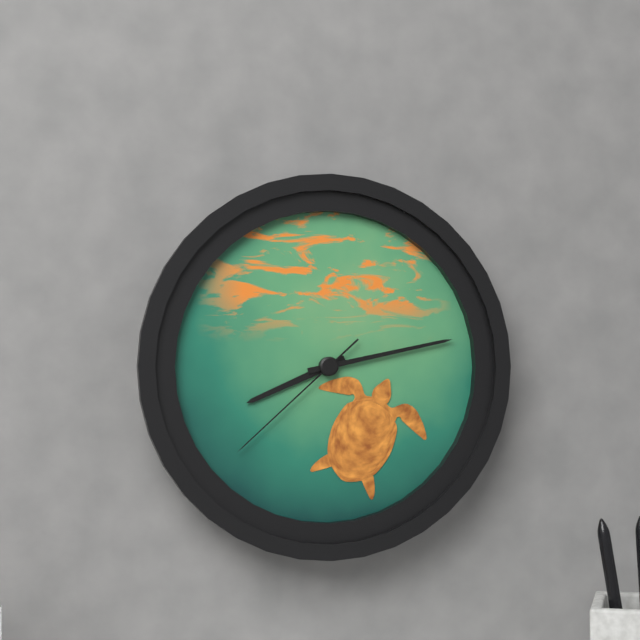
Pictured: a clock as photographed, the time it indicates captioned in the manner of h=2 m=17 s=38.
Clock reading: h=8 m=13 s=38
